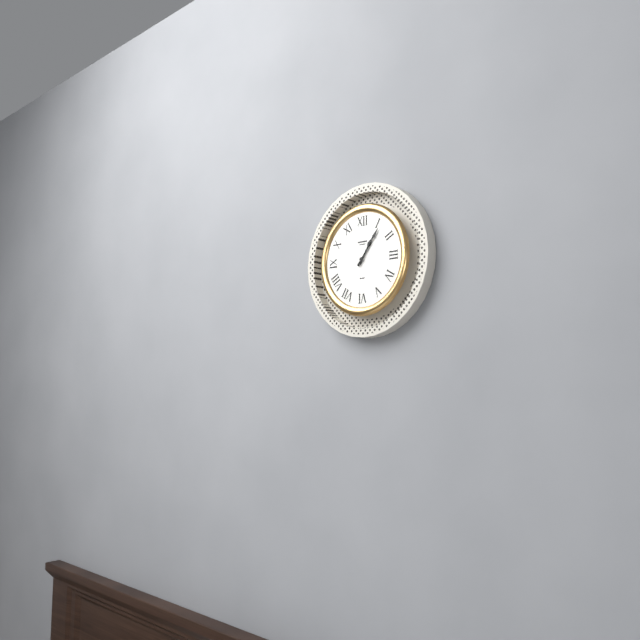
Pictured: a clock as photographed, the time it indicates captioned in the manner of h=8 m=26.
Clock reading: h=1 m=6
